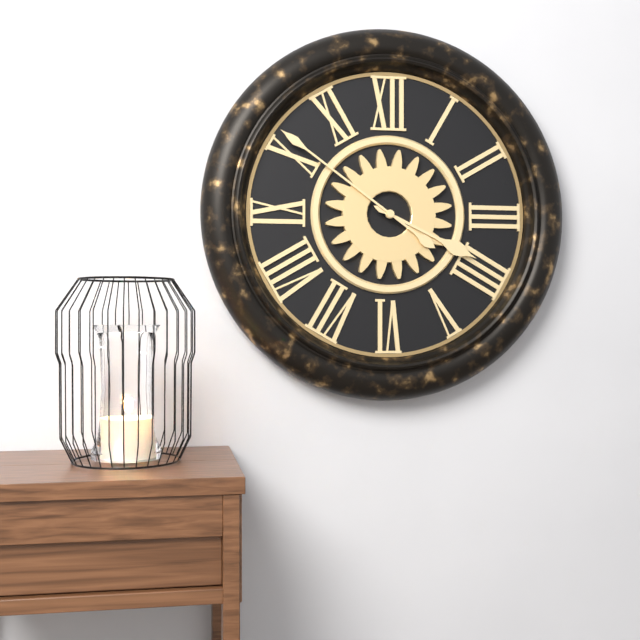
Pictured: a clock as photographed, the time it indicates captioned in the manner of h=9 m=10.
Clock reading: h=3 m=51
